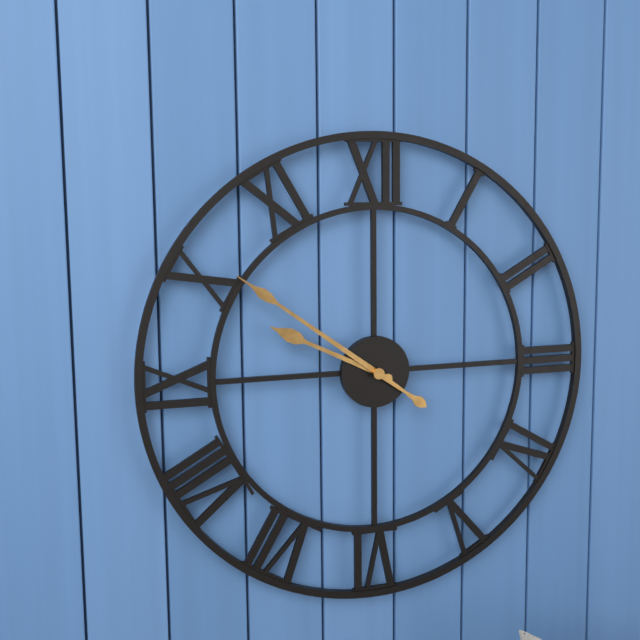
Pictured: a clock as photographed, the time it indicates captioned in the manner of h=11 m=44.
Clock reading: h=9 m=51
